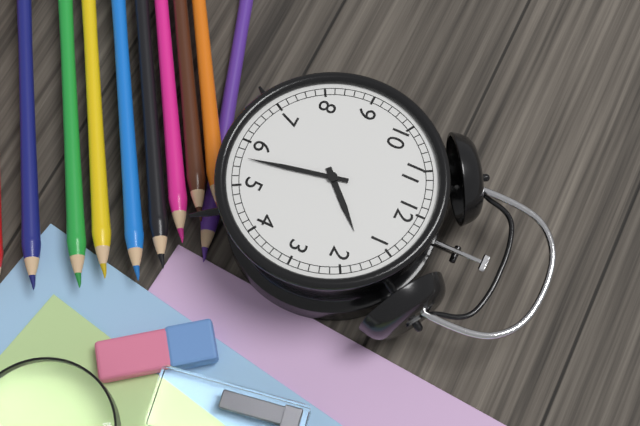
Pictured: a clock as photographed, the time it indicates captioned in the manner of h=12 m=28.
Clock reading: h=1 m=28
